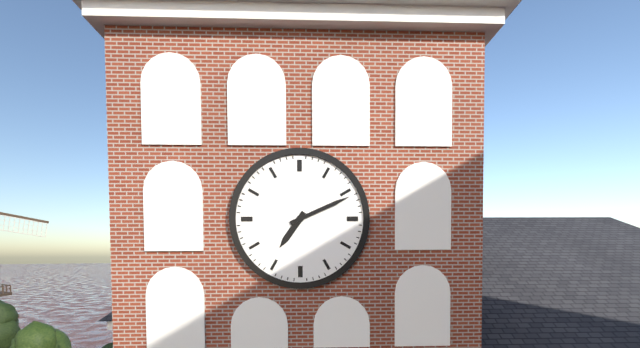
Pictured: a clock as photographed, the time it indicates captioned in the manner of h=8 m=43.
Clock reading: h=7 m=11
